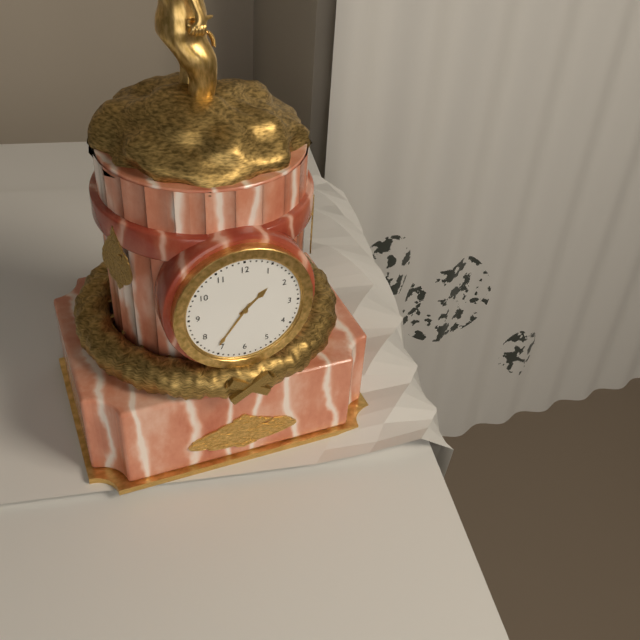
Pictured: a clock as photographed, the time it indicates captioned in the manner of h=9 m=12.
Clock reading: h=1 m=36
